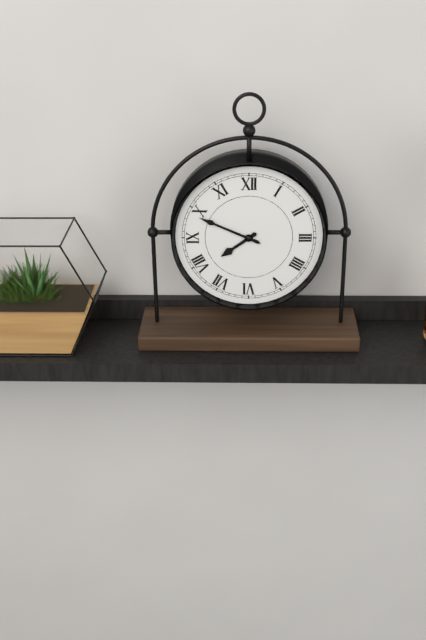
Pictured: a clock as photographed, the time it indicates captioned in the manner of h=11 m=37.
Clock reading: h=7 m=49
